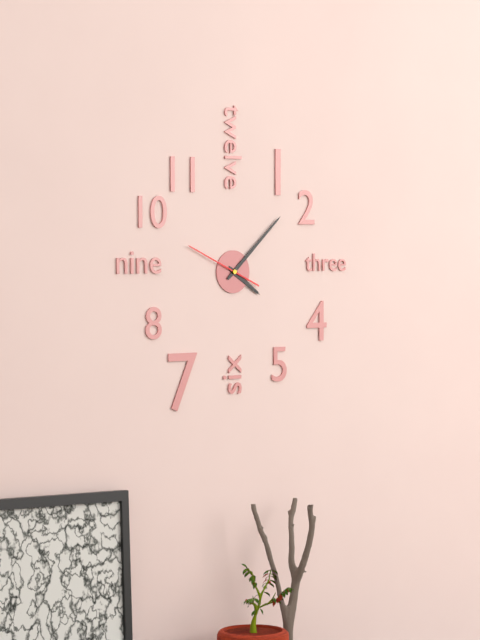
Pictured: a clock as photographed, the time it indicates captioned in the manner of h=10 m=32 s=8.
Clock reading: h=4 m=8 s=49
